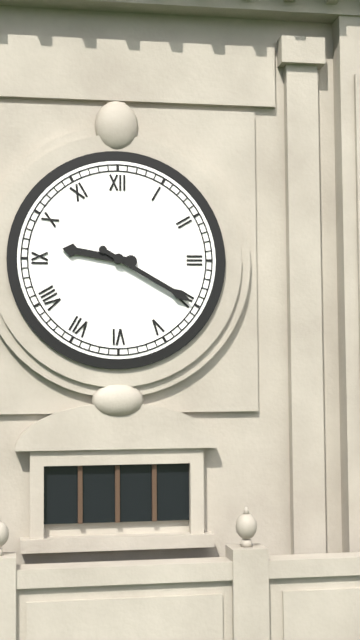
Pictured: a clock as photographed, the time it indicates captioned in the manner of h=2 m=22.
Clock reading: h=9 m=20
